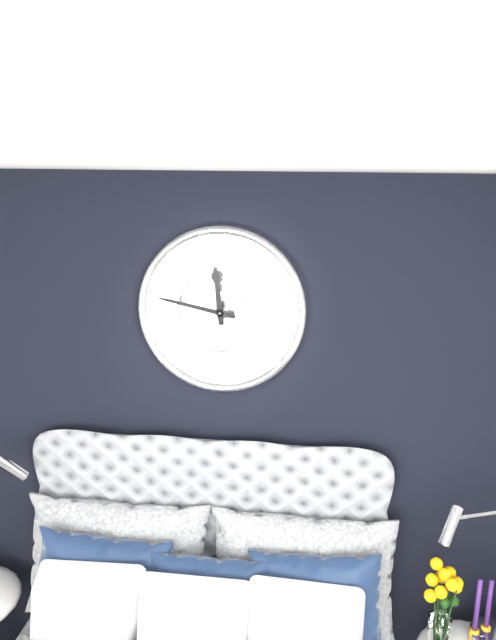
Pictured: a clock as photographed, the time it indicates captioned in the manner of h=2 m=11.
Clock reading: h=11 m=47
